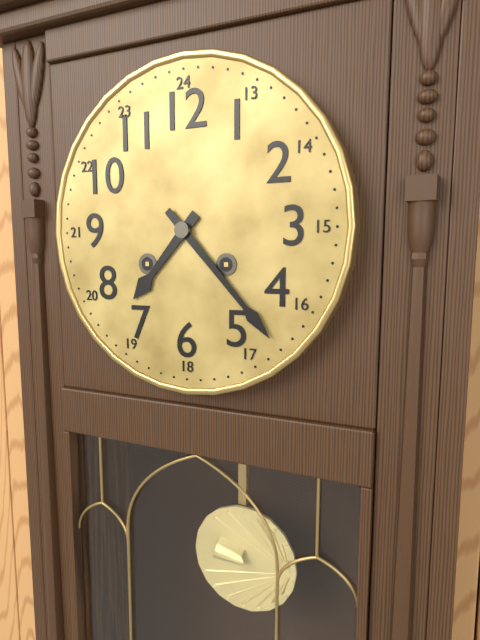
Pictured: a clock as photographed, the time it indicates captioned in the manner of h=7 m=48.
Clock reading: h=7 m=23
